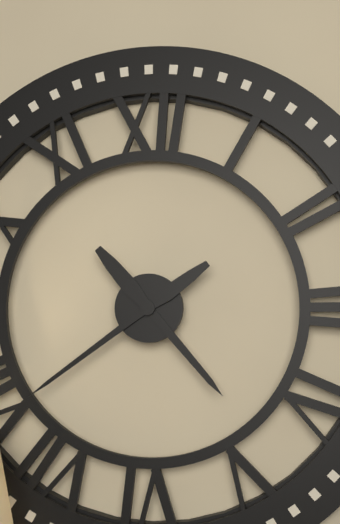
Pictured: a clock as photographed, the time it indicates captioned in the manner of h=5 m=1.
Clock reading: h=4 m=39
